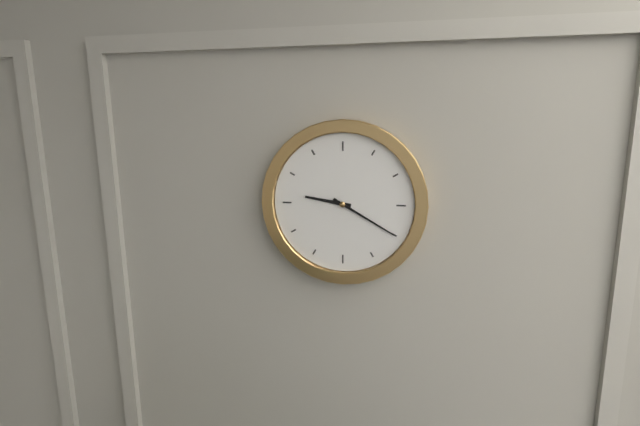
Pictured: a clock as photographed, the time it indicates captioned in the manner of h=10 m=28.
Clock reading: h=9 m=20
